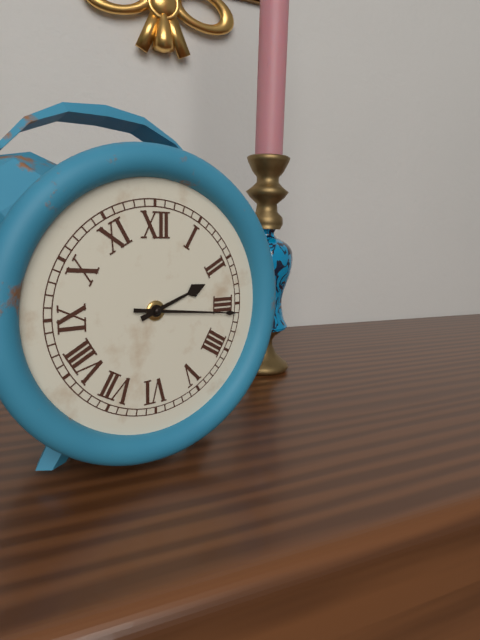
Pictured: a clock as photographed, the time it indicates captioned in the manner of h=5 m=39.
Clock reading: h=2 m=16
